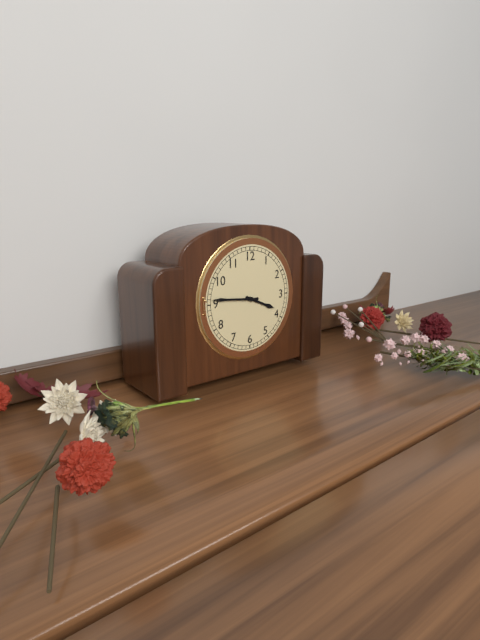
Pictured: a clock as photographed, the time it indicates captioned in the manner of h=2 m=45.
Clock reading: h=3 m=46
